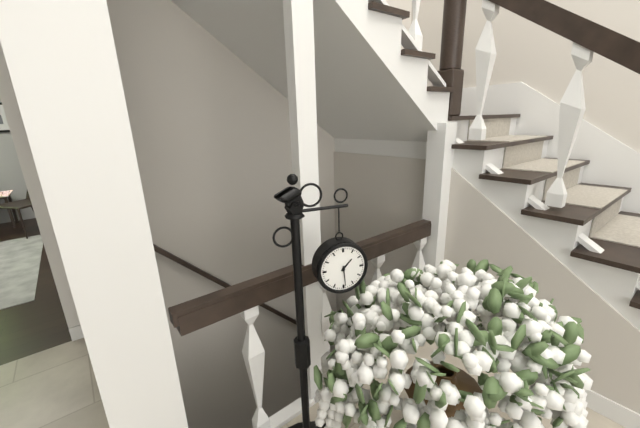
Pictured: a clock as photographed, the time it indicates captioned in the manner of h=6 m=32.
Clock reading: h=1 m=29
